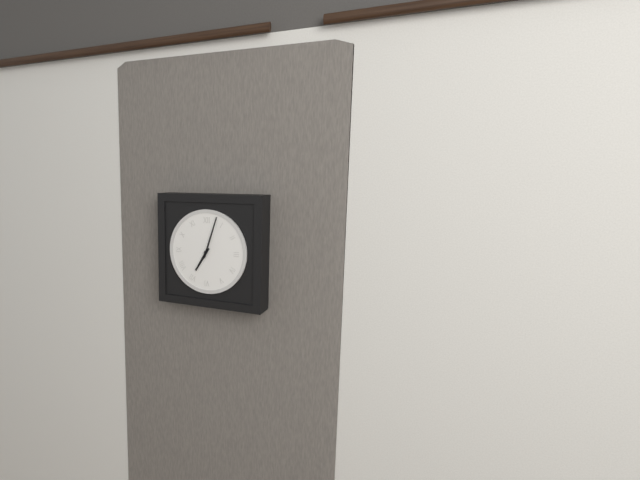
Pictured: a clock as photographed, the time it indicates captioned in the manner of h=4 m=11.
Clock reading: h=7 m=3
